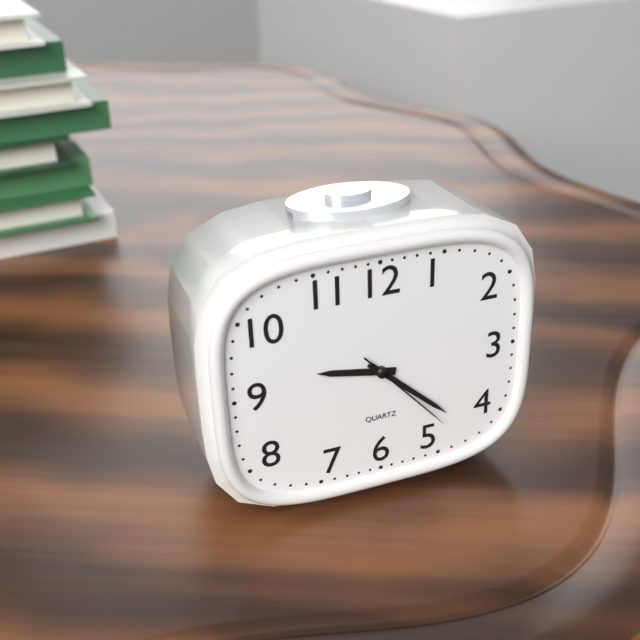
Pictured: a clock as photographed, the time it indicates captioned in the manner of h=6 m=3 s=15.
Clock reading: h=9 m=22 s=23
